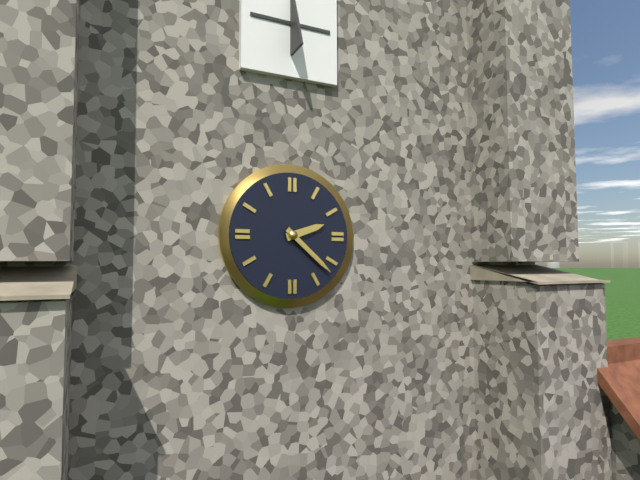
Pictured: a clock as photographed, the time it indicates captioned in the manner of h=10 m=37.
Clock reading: h=2 m=22
